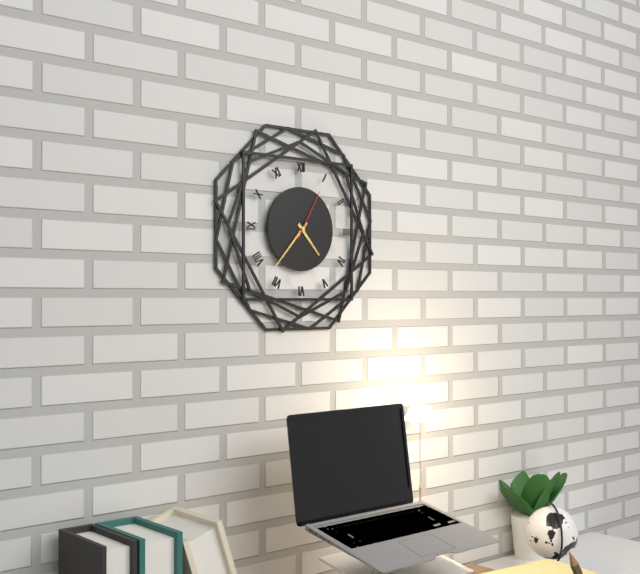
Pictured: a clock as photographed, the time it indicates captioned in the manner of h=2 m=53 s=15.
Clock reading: h=4 m=37 s=5
